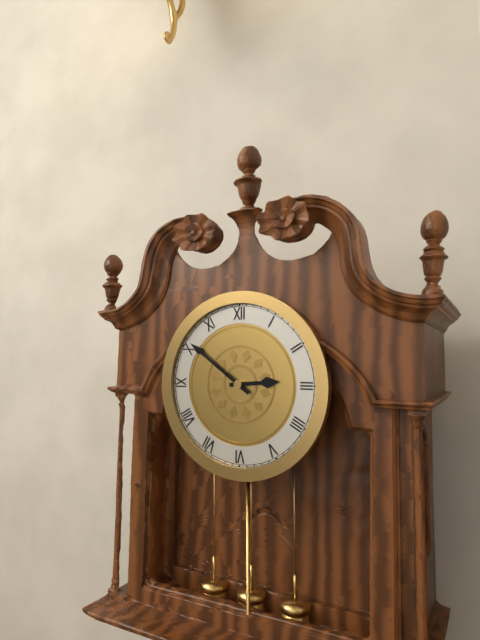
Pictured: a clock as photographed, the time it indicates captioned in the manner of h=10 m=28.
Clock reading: h=2 m=51
